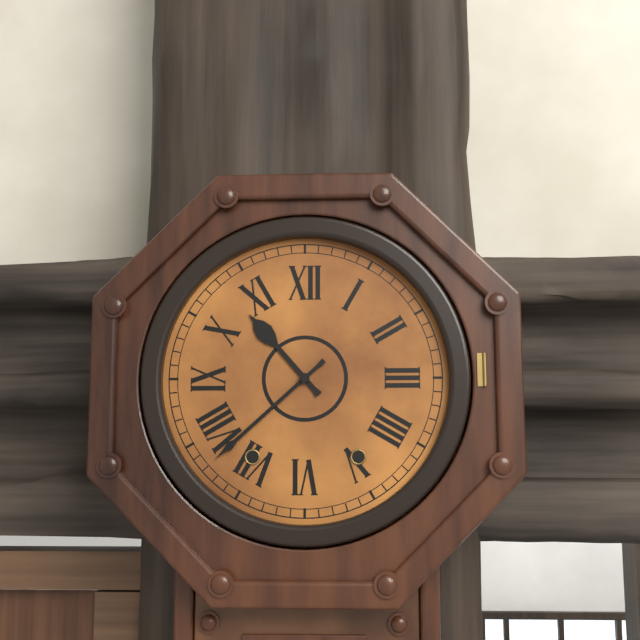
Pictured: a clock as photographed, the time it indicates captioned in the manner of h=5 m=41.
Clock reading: h=10 m=38
